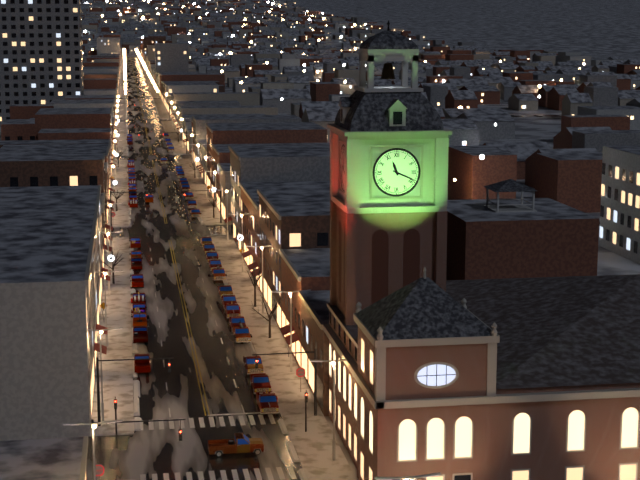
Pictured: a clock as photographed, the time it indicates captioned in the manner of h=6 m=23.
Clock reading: h=11 m=19
